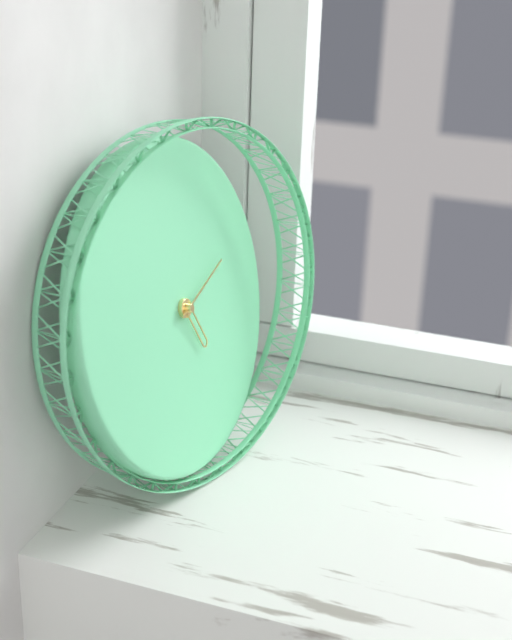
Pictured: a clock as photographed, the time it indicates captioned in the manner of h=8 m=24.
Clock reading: h=5 m=12
